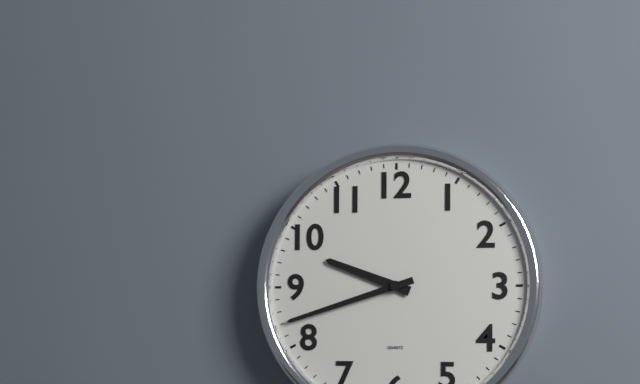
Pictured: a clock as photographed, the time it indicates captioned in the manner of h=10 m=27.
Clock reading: h=9 m=42
